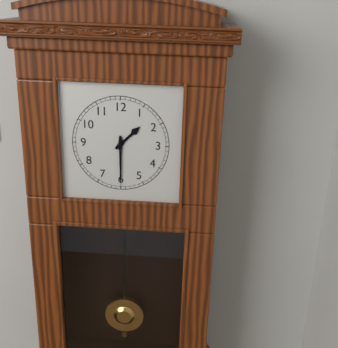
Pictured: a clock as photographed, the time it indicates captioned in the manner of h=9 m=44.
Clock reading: h=1 m=30
